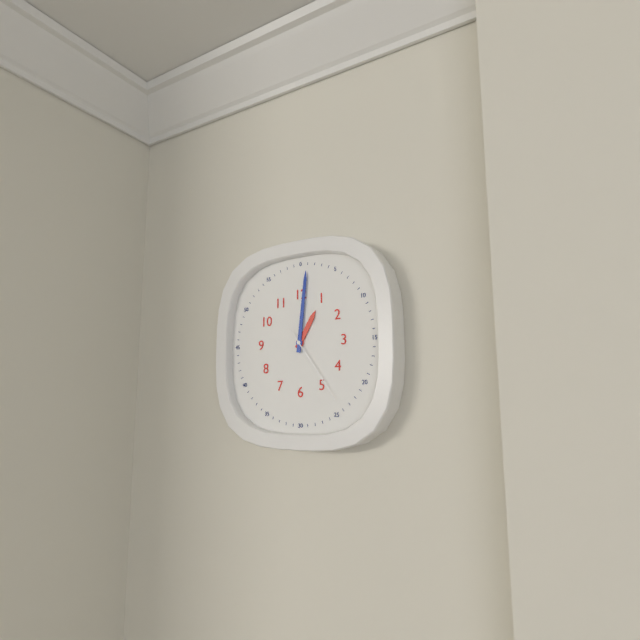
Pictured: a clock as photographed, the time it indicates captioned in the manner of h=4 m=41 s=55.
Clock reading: h=1 m=1 s=24
